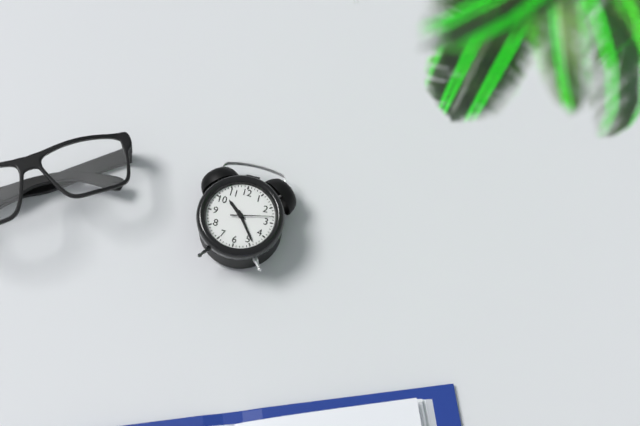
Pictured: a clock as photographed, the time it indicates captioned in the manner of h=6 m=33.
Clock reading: h=10 m=24
